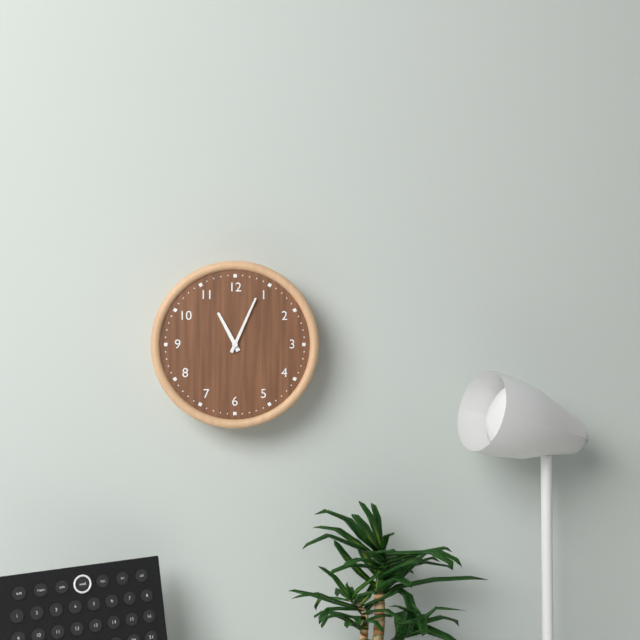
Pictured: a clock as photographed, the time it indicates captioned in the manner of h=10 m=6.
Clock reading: h=11 m=4
